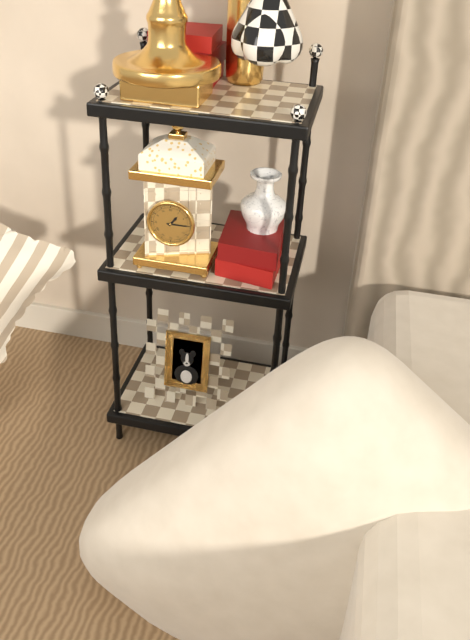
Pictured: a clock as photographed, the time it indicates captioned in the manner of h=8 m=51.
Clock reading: h=1 m=15
